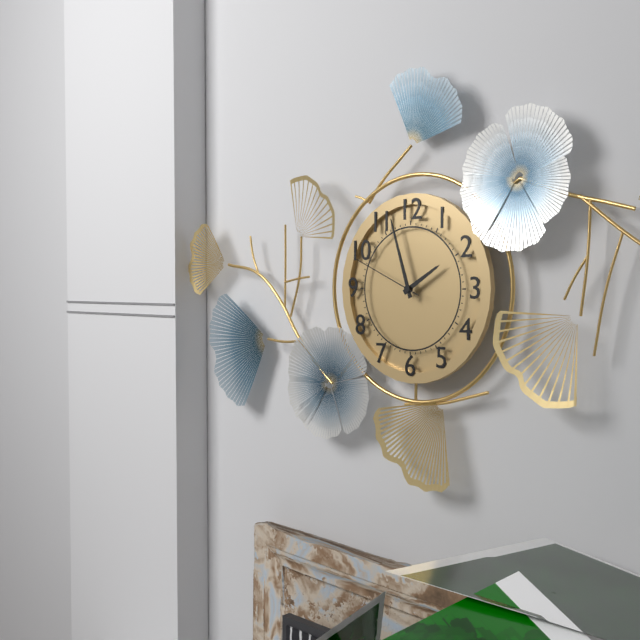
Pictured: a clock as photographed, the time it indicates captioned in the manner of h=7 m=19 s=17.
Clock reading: h=1 m=57 s=49
